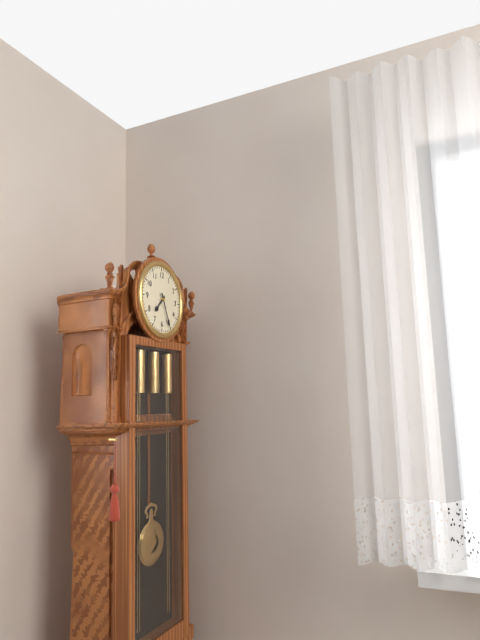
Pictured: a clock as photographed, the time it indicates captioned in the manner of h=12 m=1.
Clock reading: h=7 m=26
